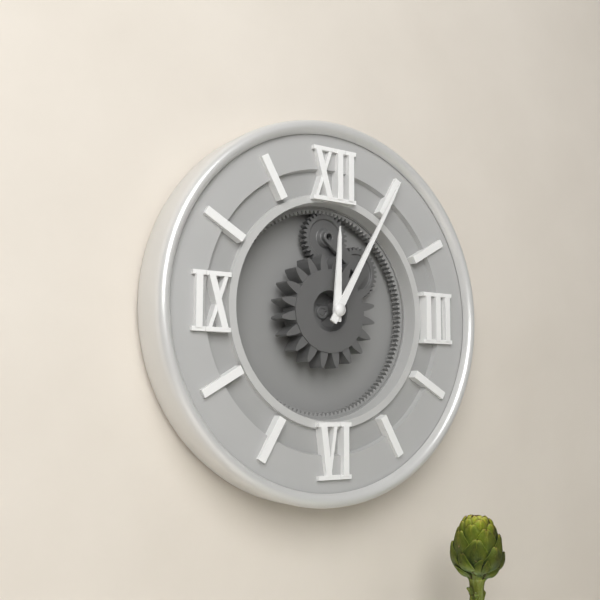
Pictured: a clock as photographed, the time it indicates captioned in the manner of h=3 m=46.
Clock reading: h=12 m=5
